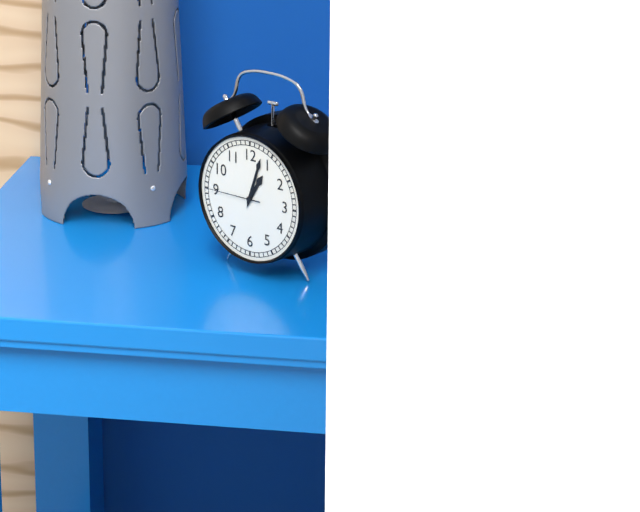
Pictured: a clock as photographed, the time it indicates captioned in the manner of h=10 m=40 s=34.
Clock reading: h=1 m=3 s=45
